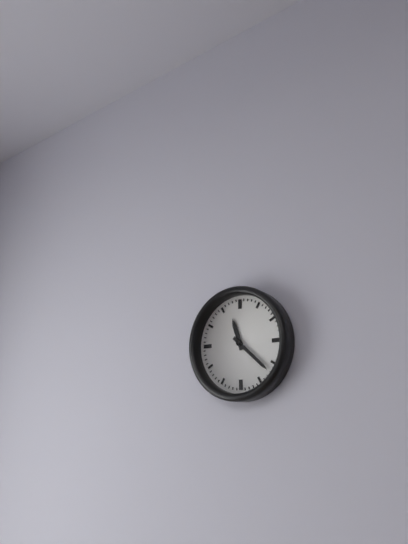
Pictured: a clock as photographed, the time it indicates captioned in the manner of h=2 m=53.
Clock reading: h=11 m=22
